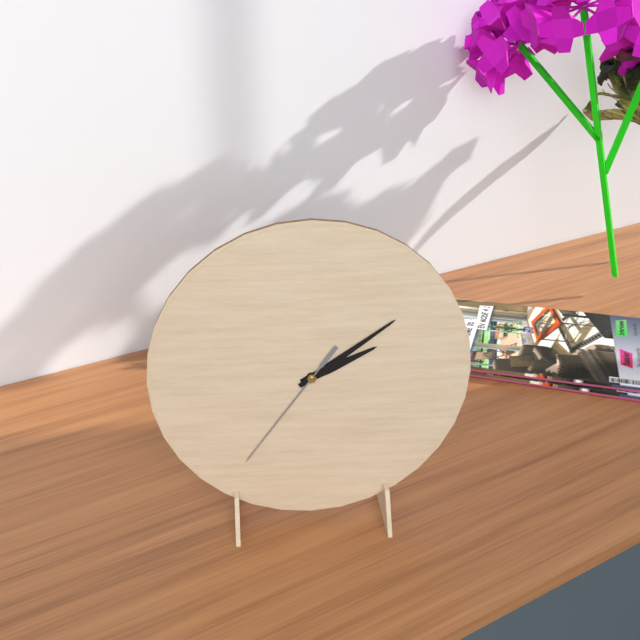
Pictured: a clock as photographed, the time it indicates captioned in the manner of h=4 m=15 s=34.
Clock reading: h=2 m=9 s=36
